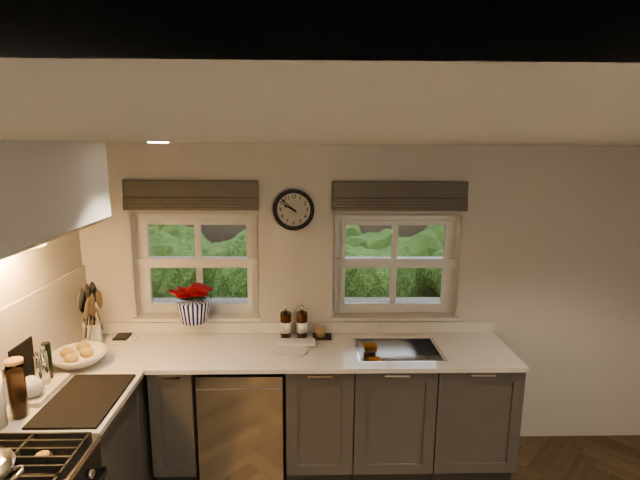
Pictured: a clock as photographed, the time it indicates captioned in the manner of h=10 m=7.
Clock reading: h=9 m=52
